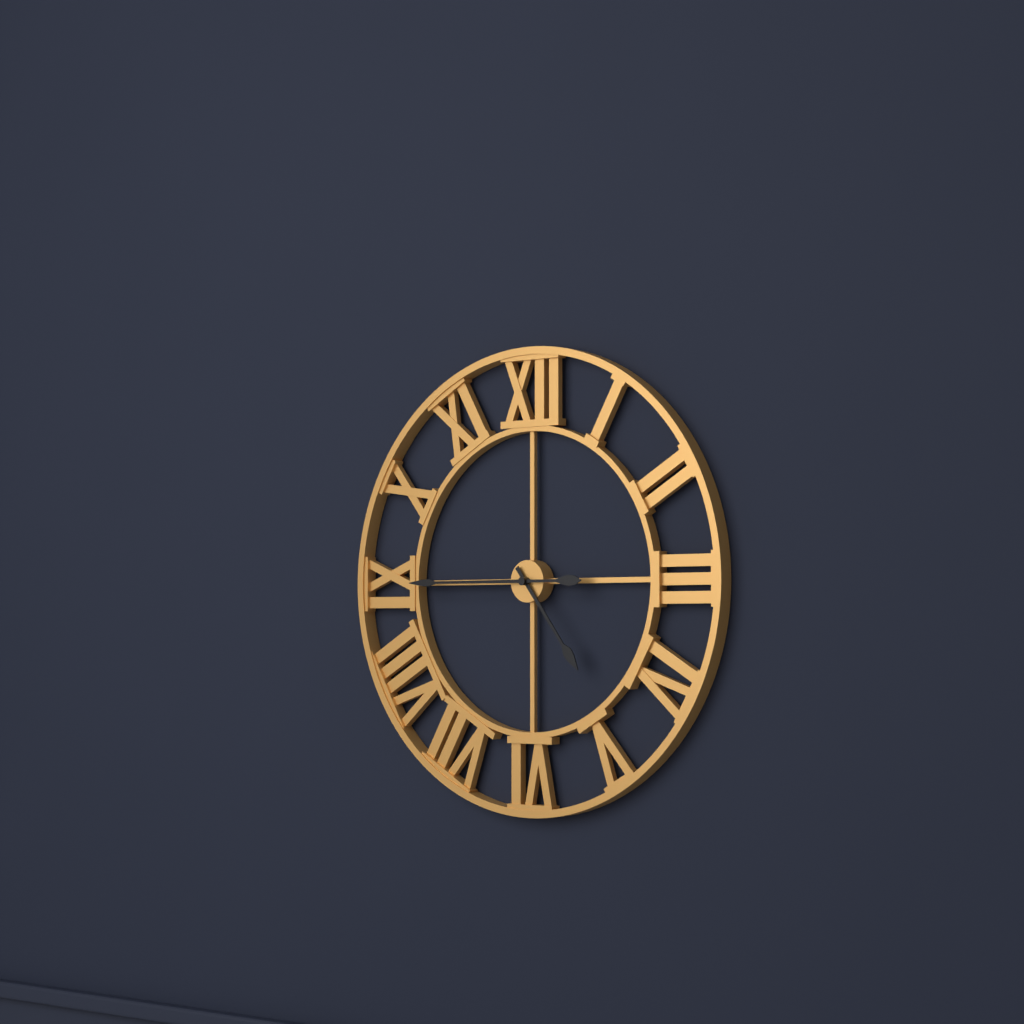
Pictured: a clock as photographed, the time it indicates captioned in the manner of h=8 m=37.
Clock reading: h=4 m=45
